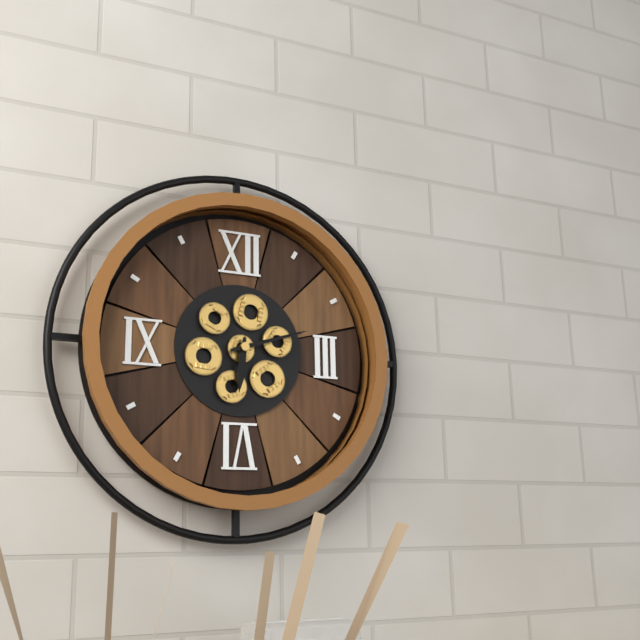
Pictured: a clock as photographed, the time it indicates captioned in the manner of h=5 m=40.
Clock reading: h=6 m=12
